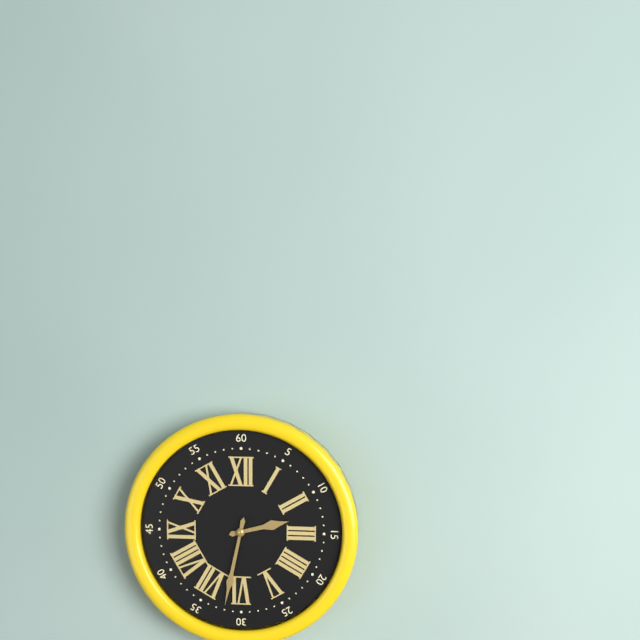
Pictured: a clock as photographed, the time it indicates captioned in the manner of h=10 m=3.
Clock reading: h=2 m=32
